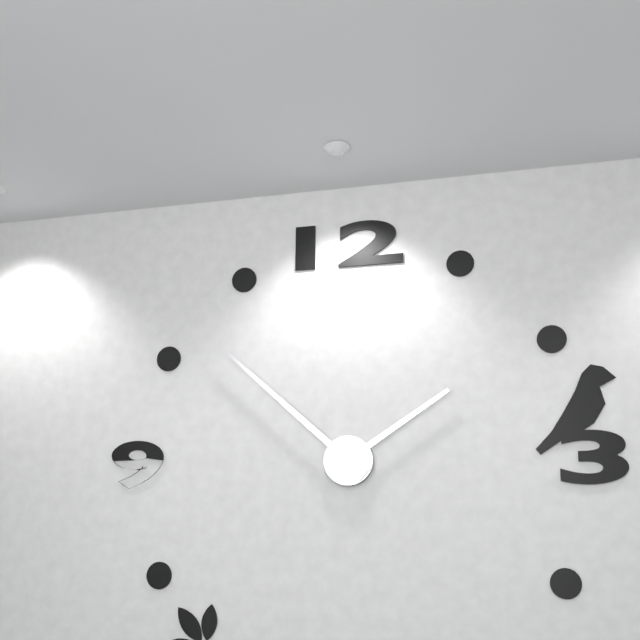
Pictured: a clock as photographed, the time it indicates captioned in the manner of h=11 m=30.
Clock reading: h=1 m=52
